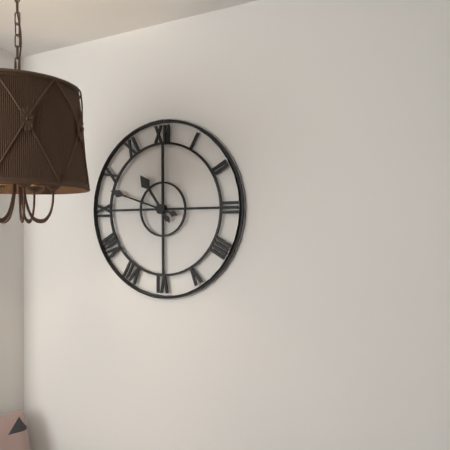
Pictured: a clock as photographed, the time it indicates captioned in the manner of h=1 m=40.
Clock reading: h=10 m=48
